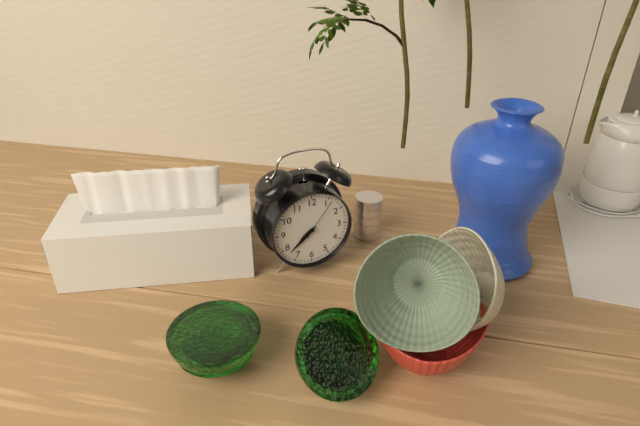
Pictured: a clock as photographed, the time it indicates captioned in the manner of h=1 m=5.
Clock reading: h=7 m=38
